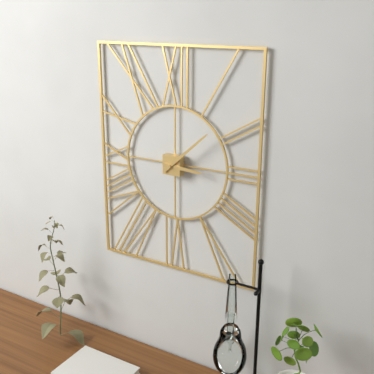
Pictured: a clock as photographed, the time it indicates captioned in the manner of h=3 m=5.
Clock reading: h=3 m=8
